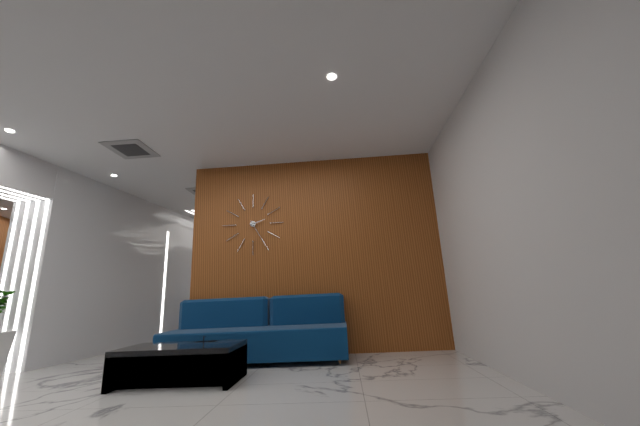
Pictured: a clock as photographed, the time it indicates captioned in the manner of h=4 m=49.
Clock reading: h=2 m=25
